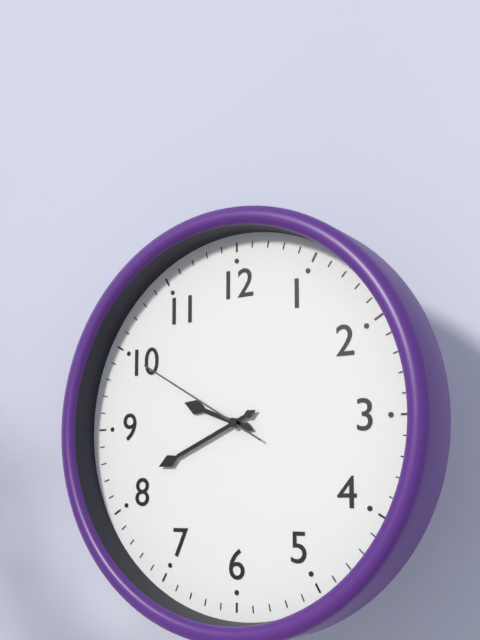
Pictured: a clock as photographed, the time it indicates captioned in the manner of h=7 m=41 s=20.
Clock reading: h=9 m=41 s=50
